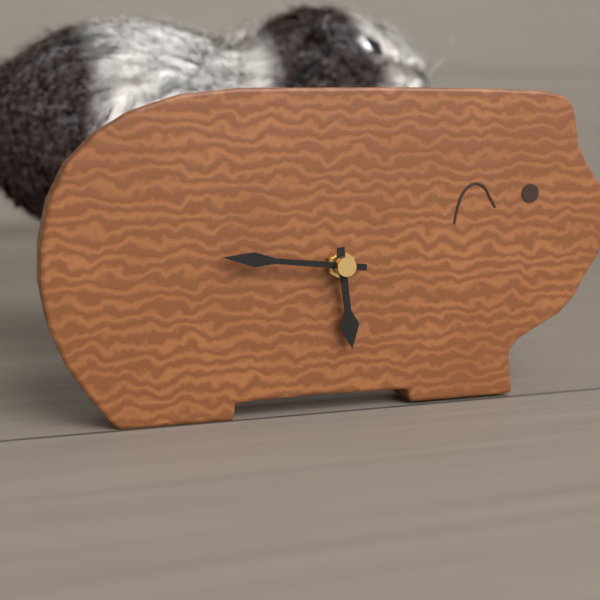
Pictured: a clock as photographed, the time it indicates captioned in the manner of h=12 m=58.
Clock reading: h=5 m=46
